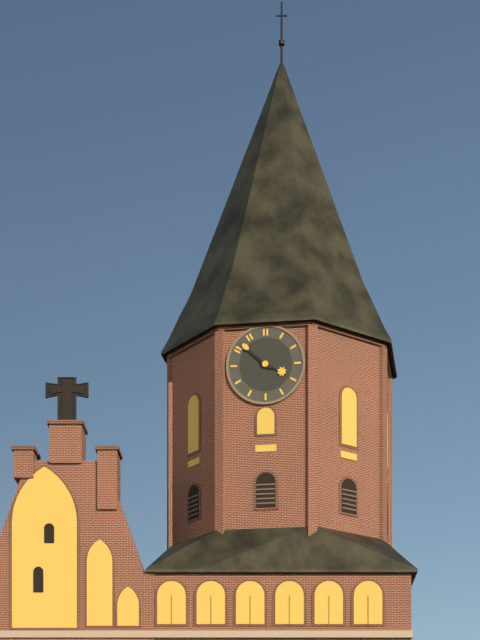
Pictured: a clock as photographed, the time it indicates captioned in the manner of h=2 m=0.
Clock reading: h=3 m=52
